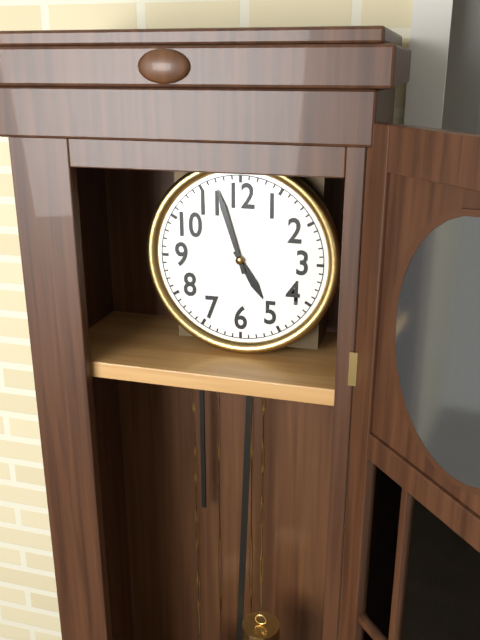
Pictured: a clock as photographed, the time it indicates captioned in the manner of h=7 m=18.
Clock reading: h=4 m=57
